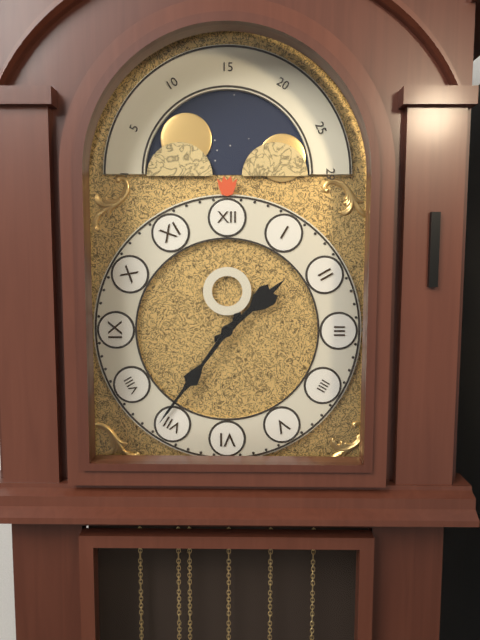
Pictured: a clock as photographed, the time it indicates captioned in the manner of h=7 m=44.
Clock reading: h=1 m=36
